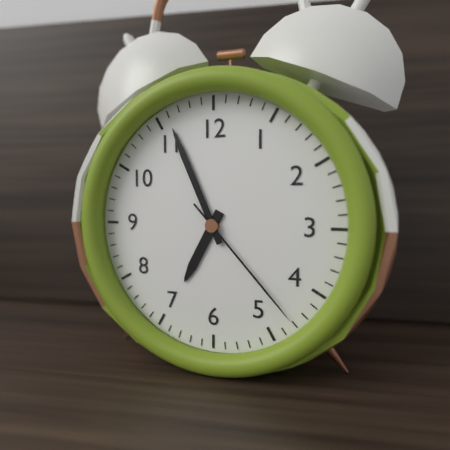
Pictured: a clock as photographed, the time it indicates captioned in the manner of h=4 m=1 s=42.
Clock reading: h=6 m=56 s=23
